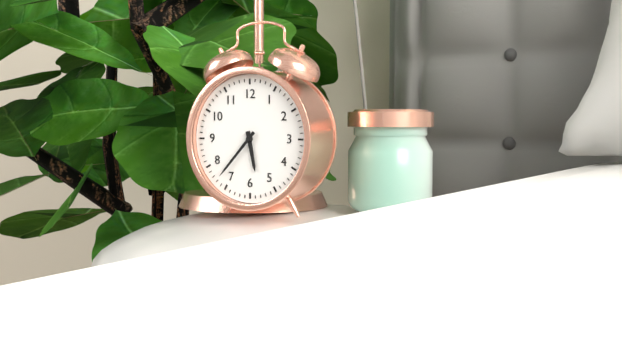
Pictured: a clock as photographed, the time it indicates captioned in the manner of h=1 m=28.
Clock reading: h=5 m=37
